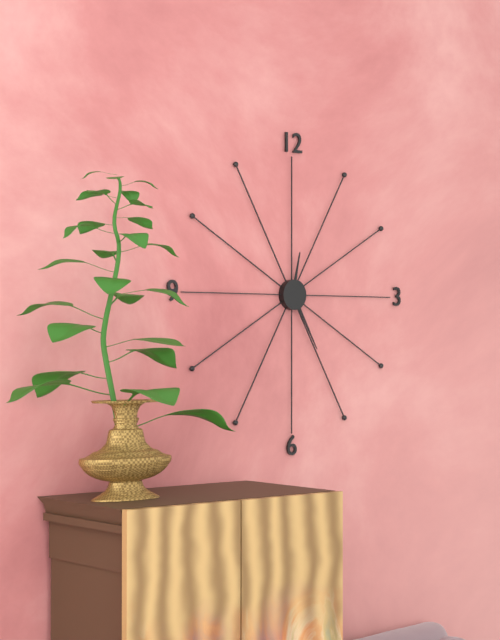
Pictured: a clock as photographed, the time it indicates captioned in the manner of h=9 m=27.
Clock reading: h=12 m=25
